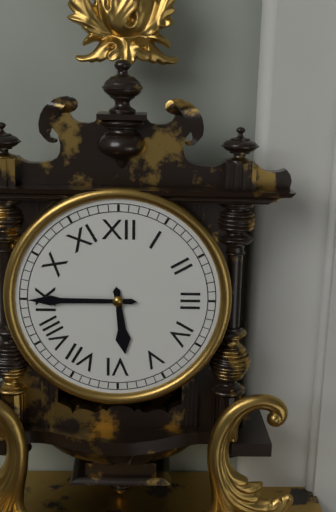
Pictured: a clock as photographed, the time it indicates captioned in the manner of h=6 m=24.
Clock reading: h=5 m=45
